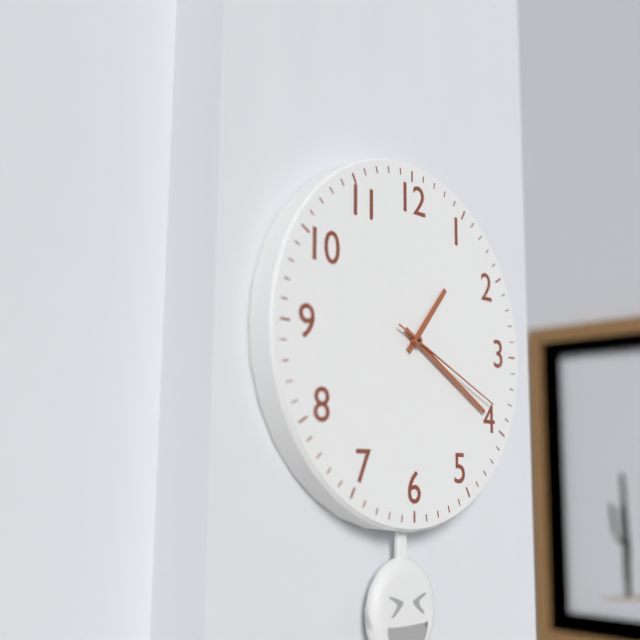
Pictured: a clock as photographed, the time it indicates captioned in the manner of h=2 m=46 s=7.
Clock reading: h=1 m=20 s=19
